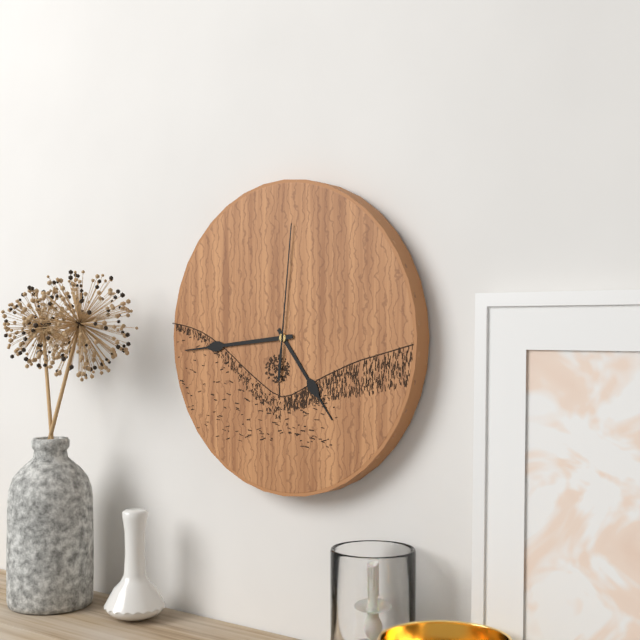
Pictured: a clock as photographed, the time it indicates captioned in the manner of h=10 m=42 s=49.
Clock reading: h=4 m=44 s=1
